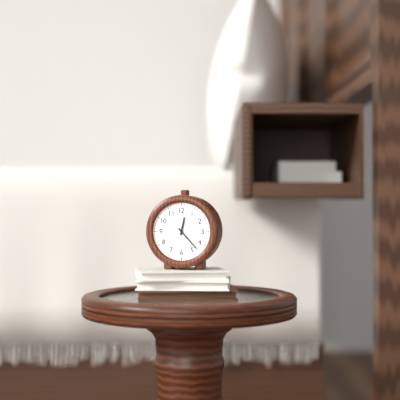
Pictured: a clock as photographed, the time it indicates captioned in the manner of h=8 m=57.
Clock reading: h=12 m=23
